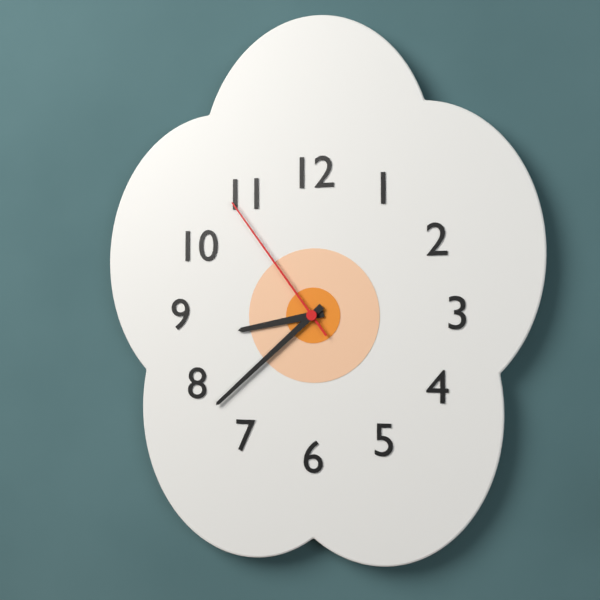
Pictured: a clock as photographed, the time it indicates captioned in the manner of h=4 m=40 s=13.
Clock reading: h=8 m=38 s=54
